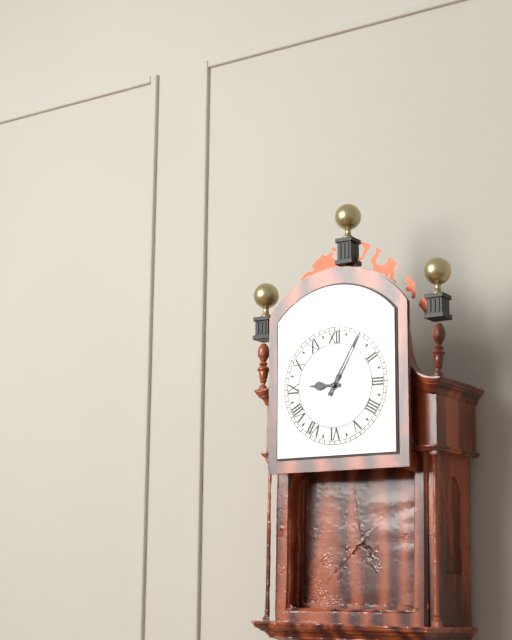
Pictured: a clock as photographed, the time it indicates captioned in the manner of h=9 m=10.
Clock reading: h=9 m=5
